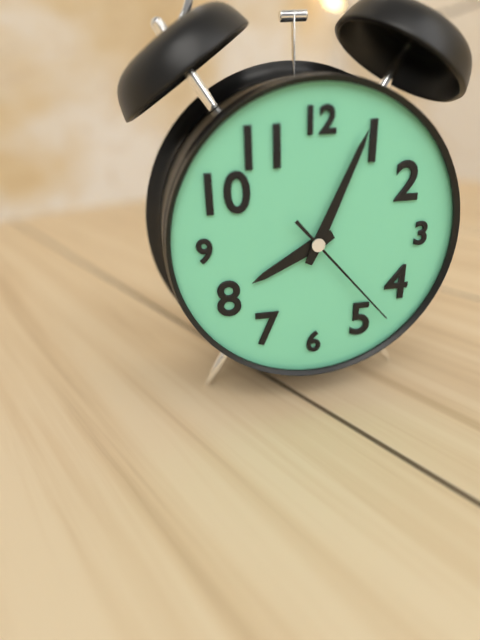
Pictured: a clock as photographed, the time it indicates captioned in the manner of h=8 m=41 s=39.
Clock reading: h=8 m=4 s=23
